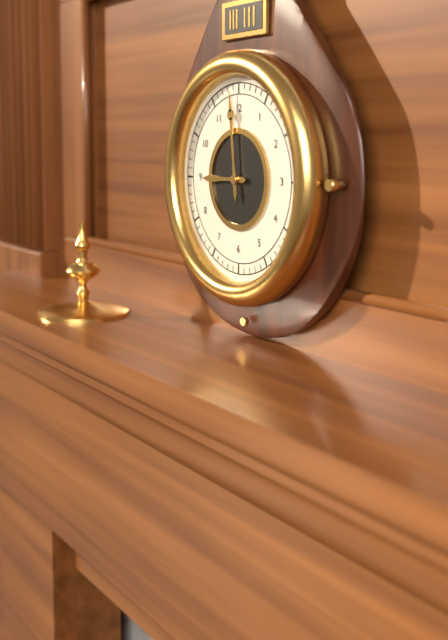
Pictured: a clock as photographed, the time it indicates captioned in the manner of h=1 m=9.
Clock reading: h=8 m=59
